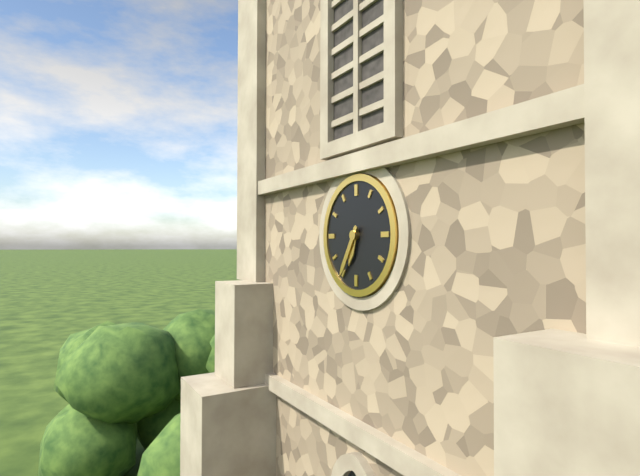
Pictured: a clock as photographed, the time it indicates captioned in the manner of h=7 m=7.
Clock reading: h=6 m=35
